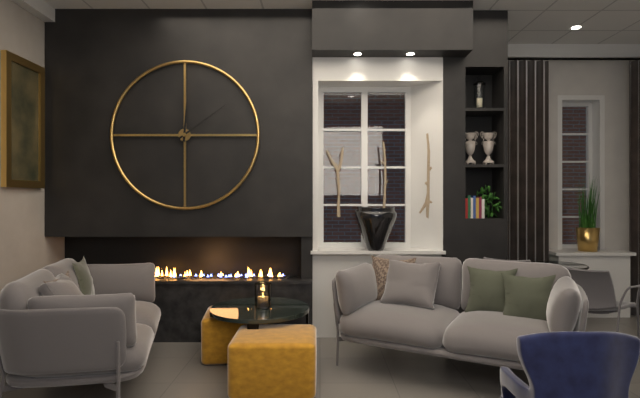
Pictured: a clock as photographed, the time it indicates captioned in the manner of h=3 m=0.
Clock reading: h=12 m=9
